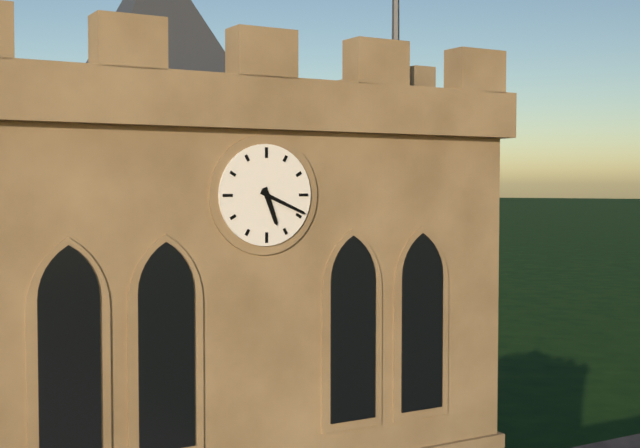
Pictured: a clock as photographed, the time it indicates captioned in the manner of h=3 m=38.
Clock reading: h=5 m=19
